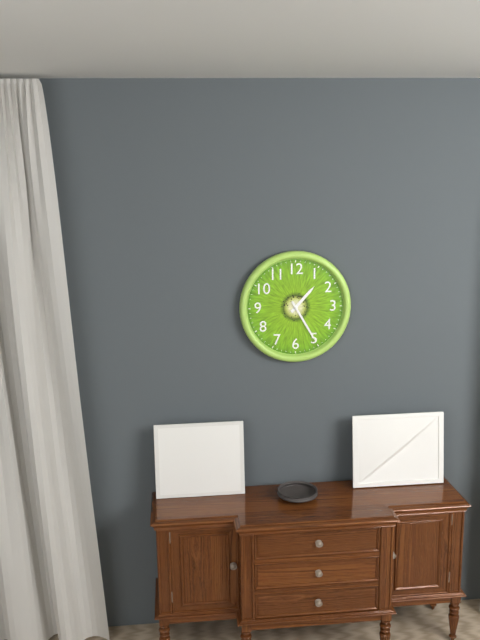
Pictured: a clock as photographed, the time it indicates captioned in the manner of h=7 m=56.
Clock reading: h=1 m=25
